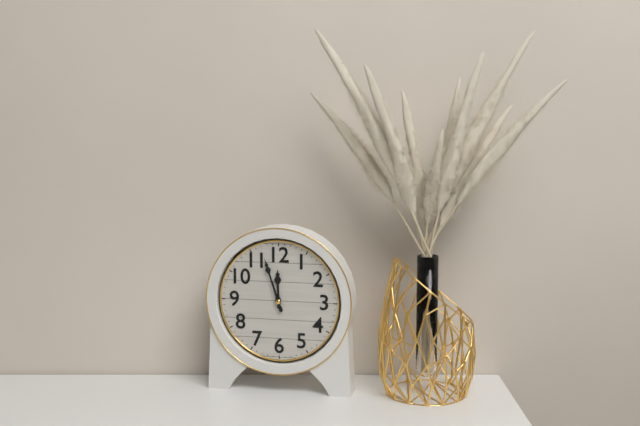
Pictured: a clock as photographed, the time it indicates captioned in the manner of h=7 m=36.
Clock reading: h=11 m=57
